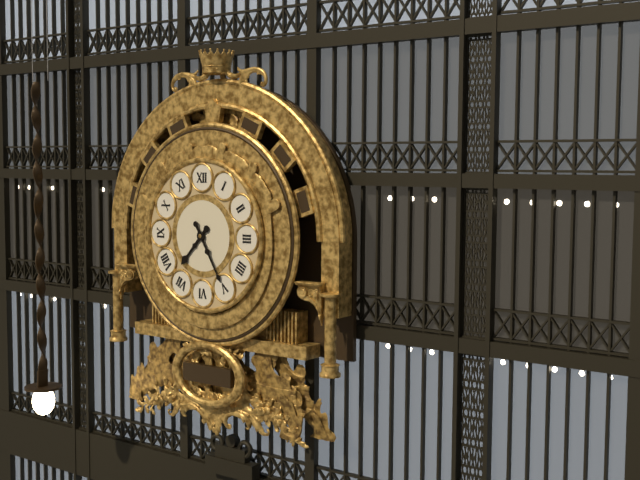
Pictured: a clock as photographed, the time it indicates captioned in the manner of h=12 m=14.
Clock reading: h=7 m=25
